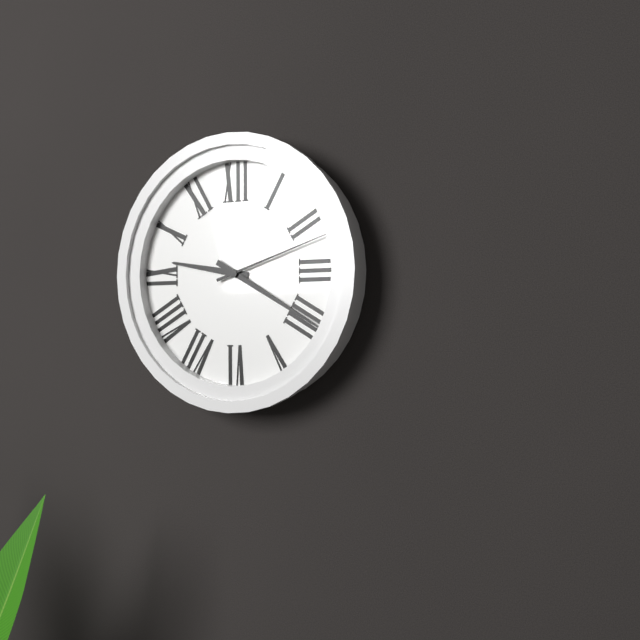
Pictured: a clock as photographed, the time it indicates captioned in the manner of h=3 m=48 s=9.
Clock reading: h=9 m=20 s=12
